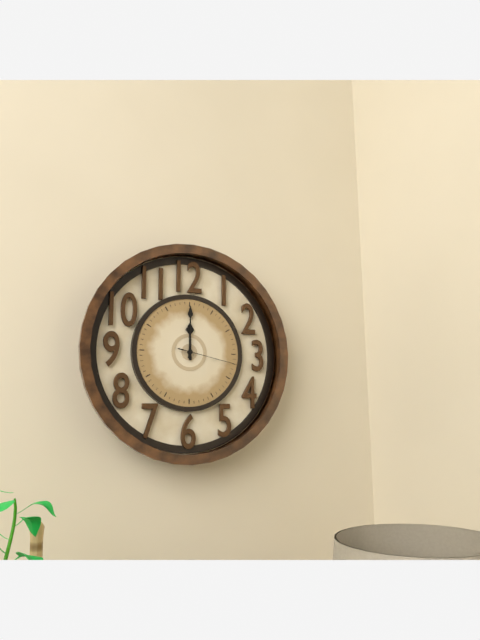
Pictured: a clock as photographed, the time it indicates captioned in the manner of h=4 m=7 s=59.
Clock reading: h=12 m=0 s=17
